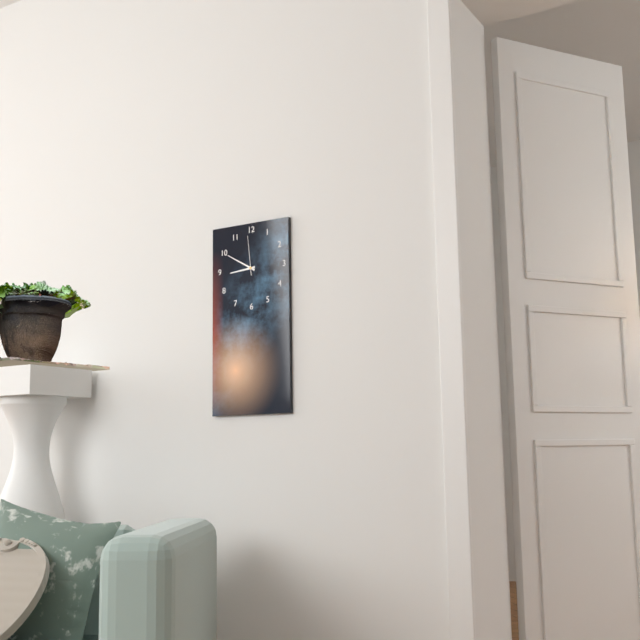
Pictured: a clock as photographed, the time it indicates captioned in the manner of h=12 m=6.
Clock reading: h=8 m=50
